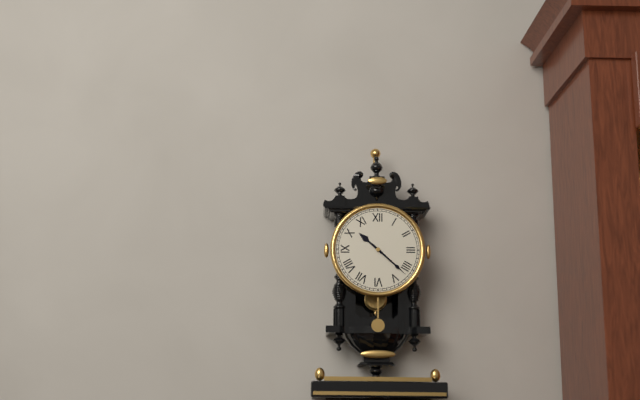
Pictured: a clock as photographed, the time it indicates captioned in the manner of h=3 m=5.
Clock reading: h=10 m=22
